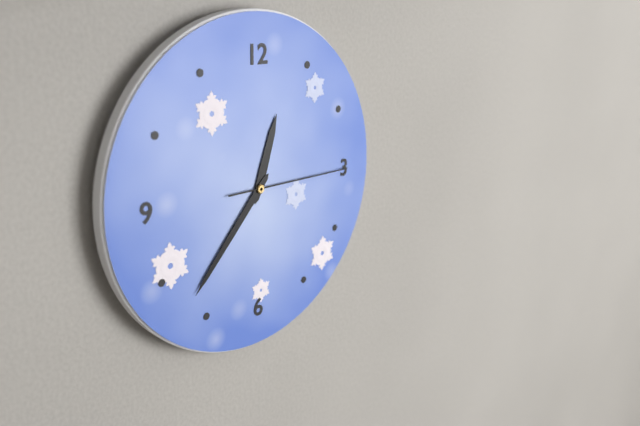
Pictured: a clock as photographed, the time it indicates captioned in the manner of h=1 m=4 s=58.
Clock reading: h=12 m=37 s=15
